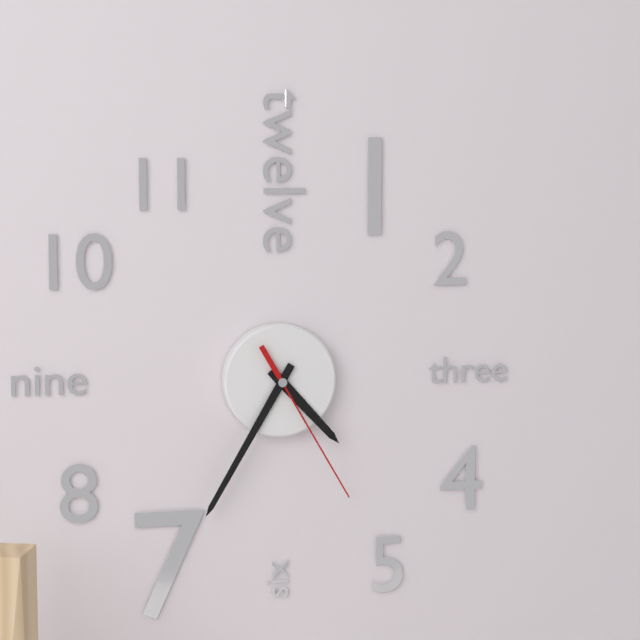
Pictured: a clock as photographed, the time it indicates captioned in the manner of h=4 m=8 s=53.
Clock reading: h=4 m=35 s=25
